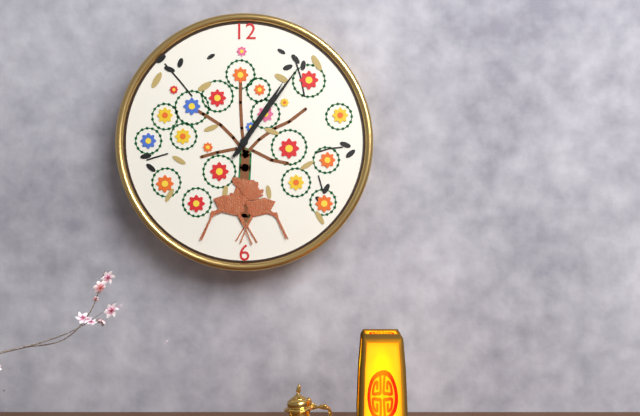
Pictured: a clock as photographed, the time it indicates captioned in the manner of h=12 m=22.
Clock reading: h=1 m=6
